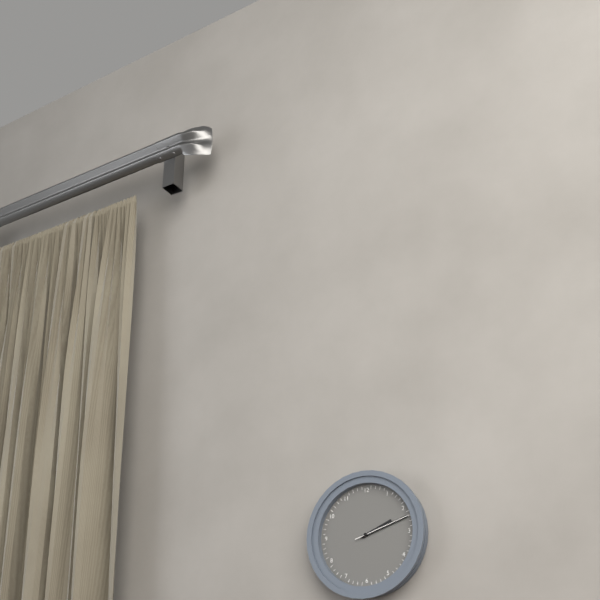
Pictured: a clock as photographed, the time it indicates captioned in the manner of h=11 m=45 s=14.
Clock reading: h=2 m=12 s=12
